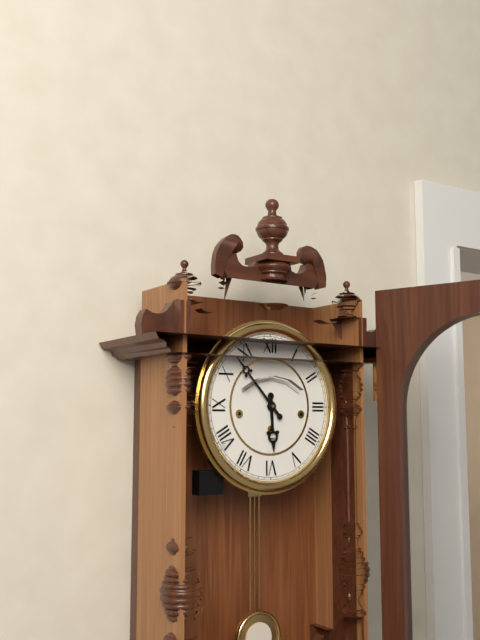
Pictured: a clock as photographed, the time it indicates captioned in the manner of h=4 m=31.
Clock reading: h=5 m=53
